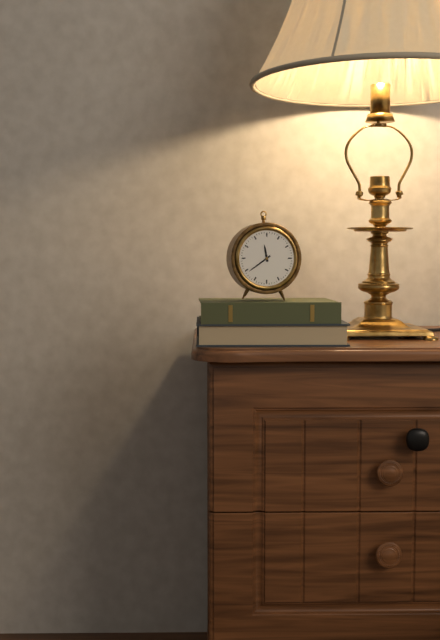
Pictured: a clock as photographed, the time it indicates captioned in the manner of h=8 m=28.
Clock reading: h=11 m=39
